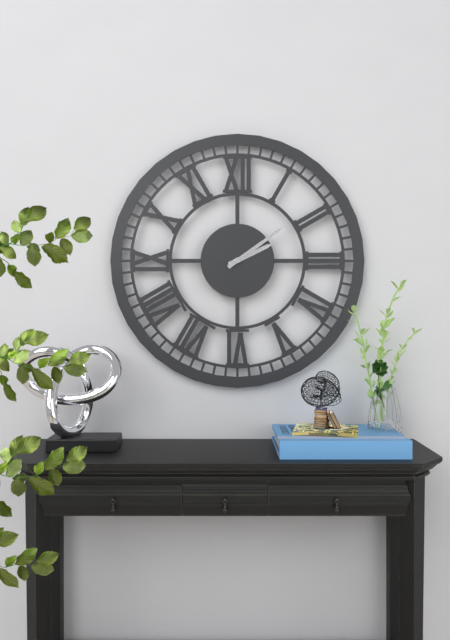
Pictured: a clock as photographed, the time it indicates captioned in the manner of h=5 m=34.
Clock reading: h=2 m=9
